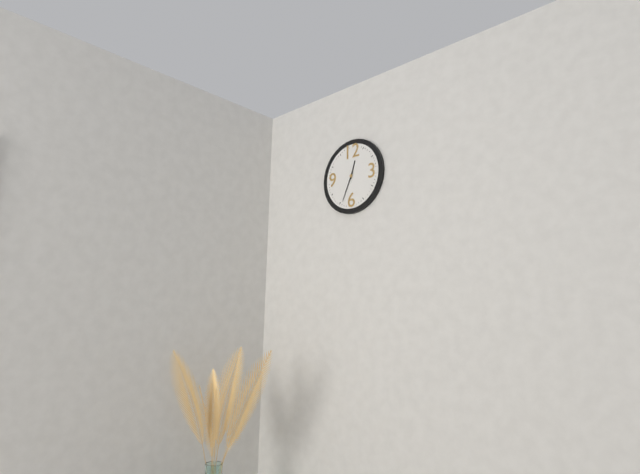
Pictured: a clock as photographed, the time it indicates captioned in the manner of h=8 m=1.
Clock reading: h=12 m=34
